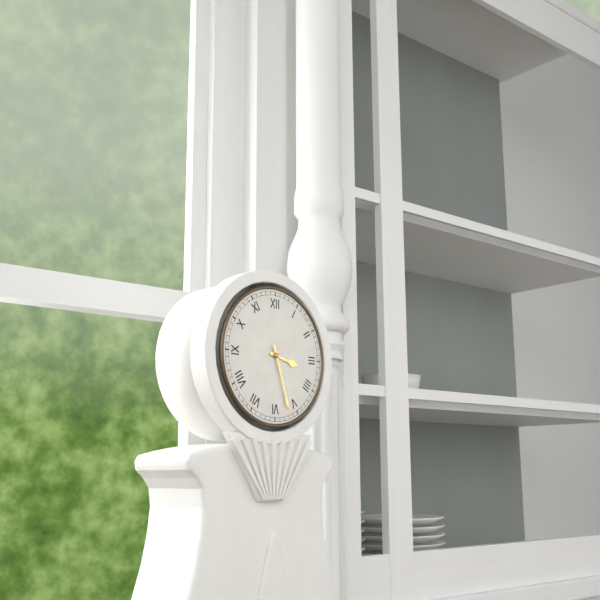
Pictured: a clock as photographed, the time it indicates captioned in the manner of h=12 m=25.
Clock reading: h=3 m=27
